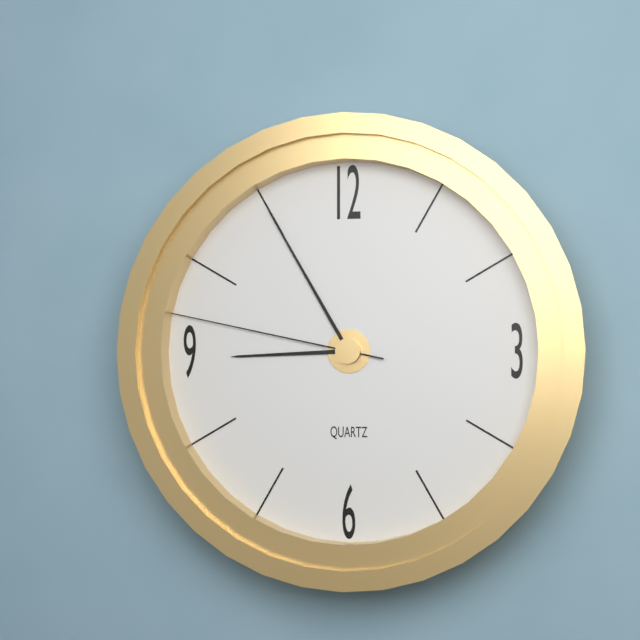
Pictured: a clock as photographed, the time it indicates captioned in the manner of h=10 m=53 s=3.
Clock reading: h=8 m=55 s=47
